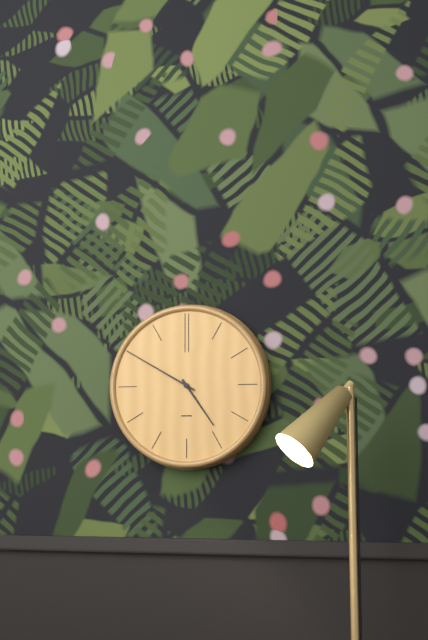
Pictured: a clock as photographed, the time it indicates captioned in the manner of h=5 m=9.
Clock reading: h=4 m=50
